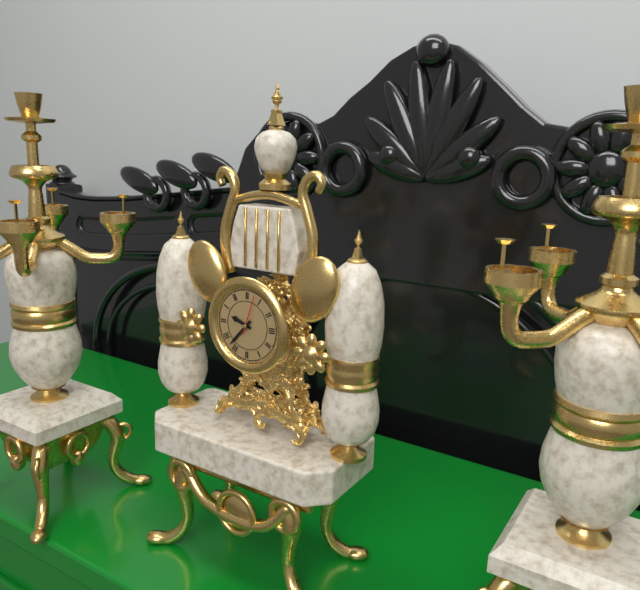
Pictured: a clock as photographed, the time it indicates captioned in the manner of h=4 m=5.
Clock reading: h=9 m=37
